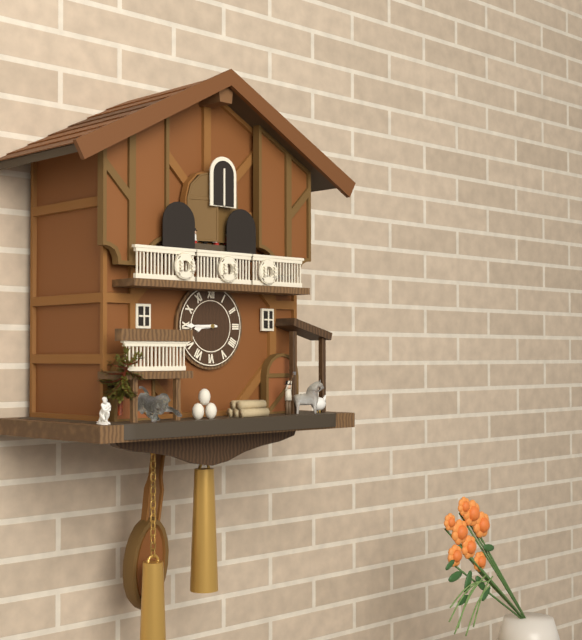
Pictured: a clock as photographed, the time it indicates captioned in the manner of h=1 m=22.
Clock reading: h=8 m=45
